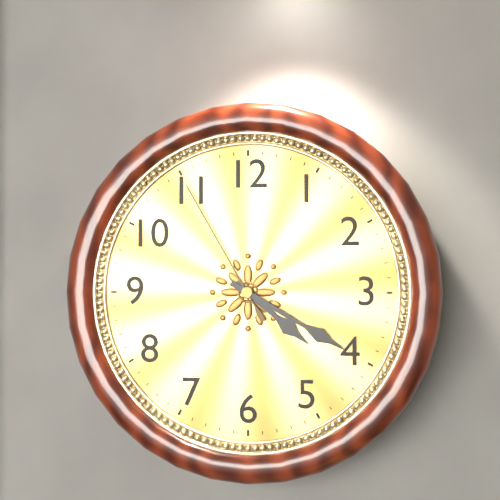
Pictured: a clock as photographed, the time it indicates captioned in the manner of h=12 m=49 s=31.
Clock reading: h=4 m=20 s=55
